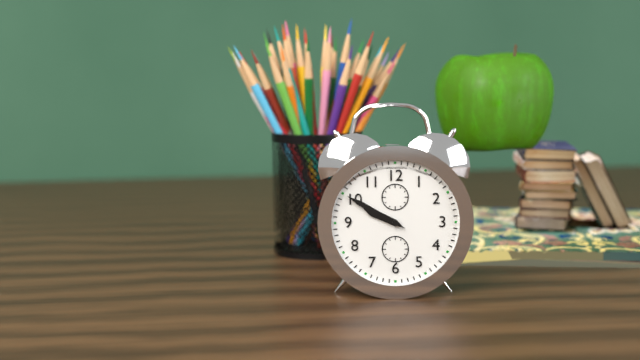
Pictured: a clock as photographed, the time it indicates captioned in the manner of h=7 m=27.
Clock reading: h=9 m=50
